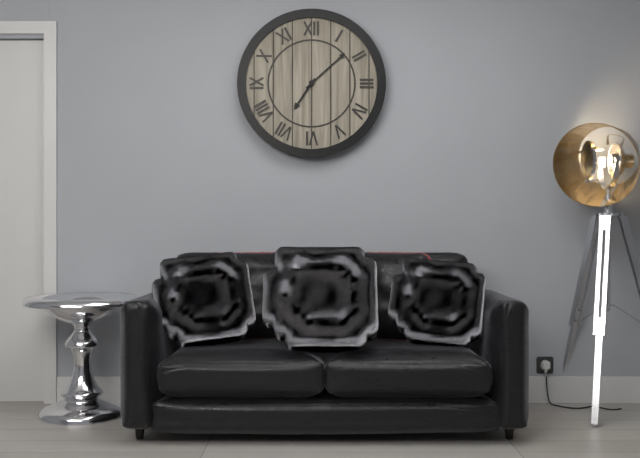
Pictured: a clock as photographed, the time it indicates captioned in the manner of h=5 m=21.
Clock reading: h=7 m=8
